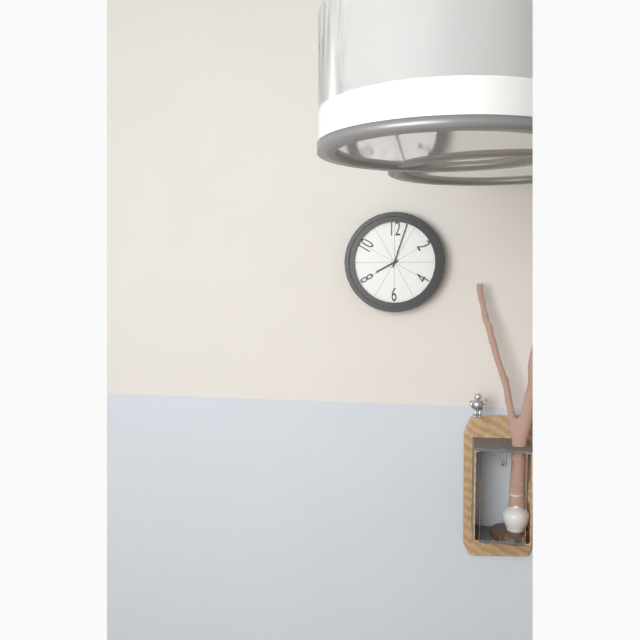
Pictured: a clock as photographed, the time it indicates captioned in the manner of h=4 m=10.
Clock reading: h=8 m=3
